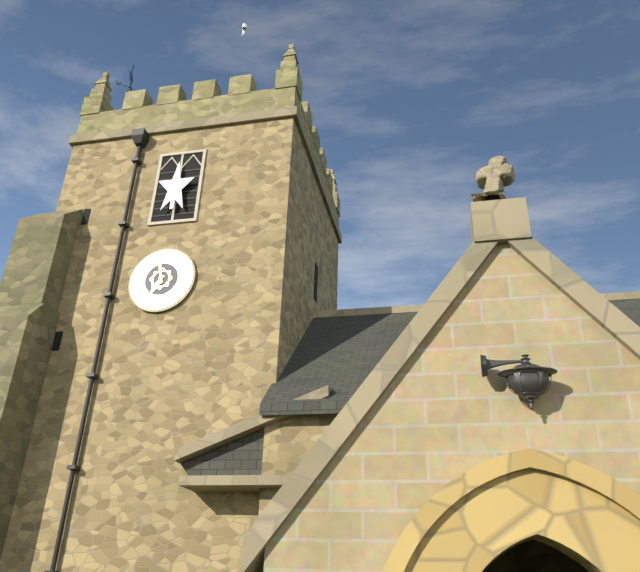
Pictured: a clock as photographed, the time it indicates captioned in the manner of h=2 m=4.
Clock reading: h=6 m=58
